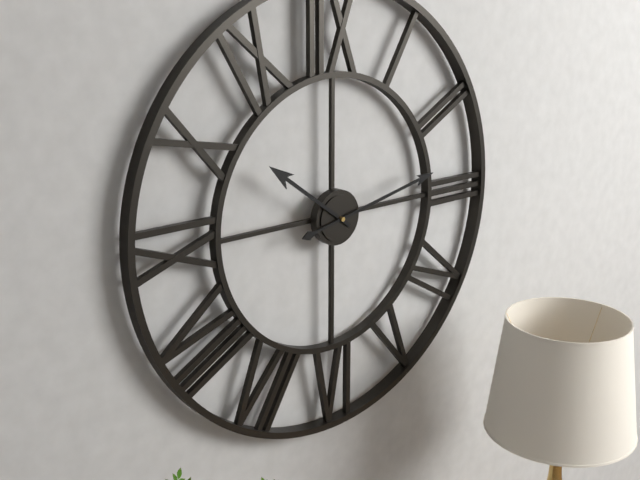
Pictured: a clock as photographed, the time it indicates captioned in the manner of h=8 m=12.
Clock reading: h=10 m=13
